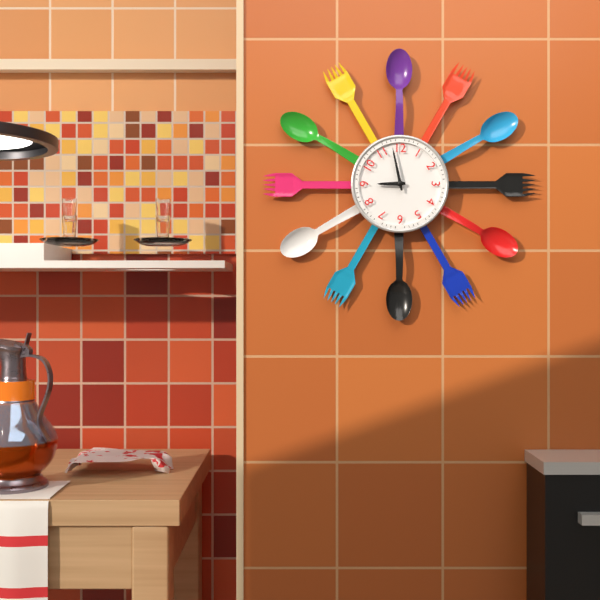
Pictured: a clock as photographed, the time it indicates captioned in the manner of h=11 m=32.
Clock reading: h=8 m=58
